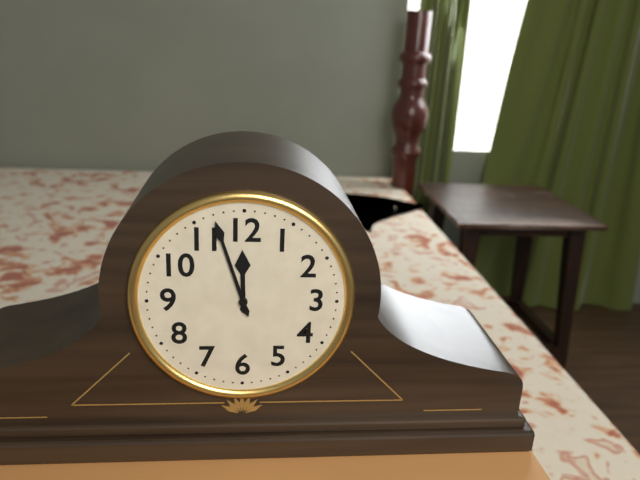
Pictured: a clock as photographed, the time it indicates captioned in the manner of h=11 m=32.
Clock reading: h=11 m=57
